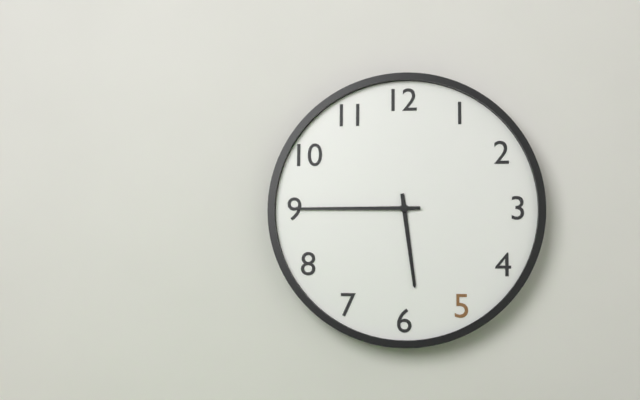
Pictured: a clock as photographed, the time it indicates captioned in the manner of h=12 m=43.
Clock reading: h=5 m=45
